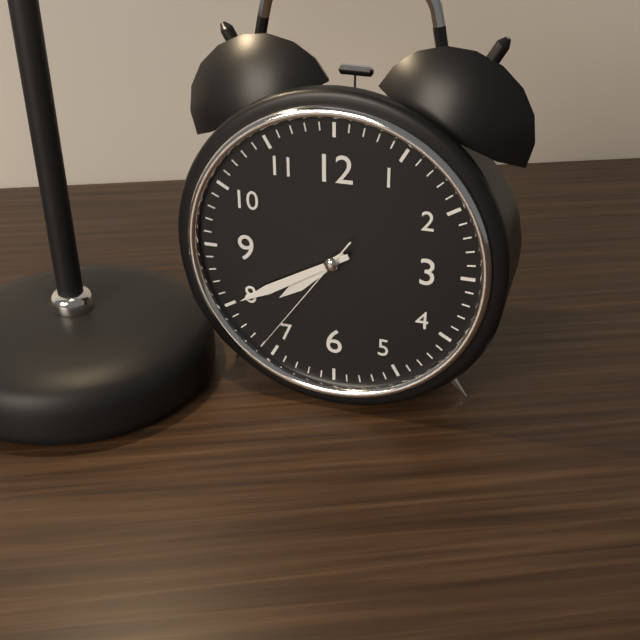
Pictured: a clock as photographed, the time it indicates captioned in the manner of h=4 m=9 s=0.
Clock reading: h=7 m=40 s=36
